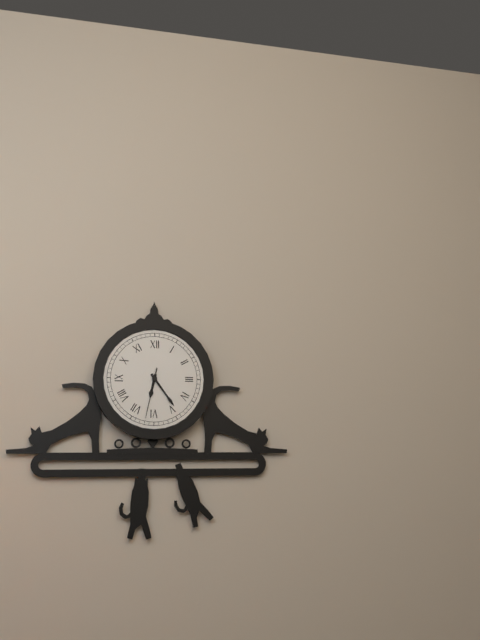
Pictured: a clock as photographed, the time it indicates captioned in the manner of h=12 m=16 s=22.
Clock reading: h=6 m=24 s=32
